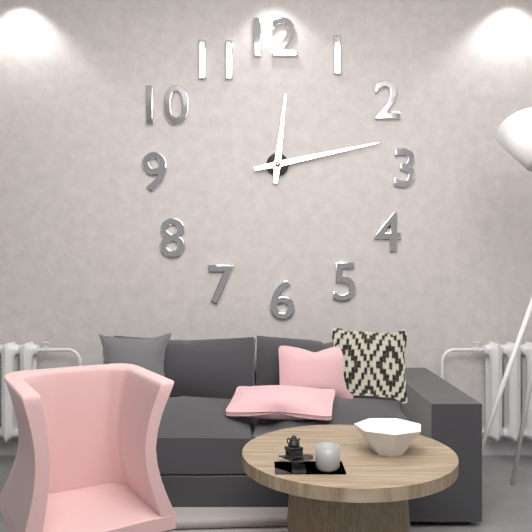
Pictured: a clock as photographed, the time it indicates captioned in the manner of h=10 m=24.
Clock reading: h=12 m=13
